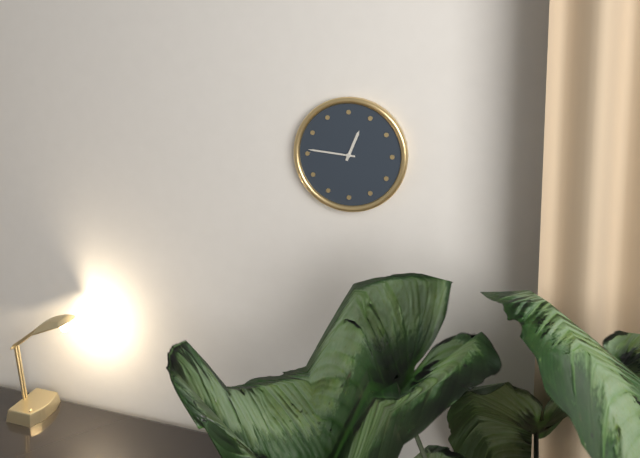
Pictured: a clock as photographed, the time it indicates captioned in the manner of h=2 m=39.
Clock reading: h=12 m=46
